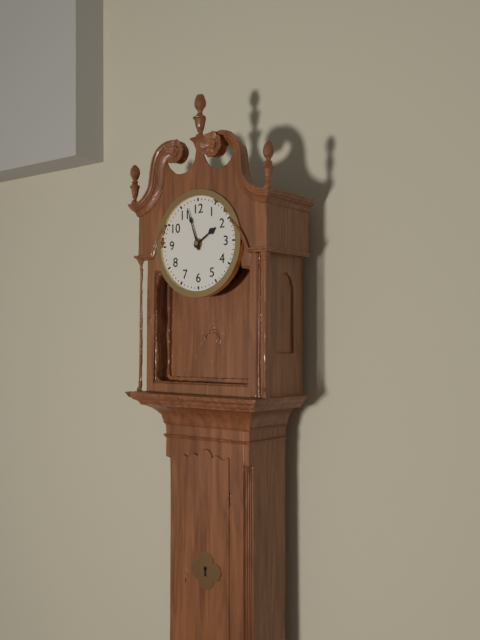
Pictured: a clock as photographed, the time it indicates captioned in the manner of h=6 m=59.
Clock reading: h=1 m=57
